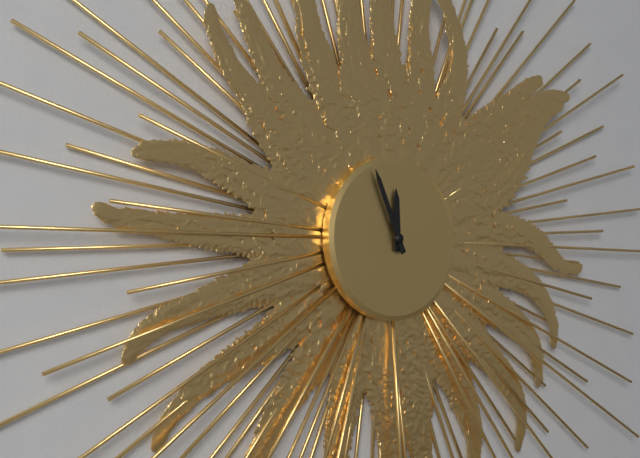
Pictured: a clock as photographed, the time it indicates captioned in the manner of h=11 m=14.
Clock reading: h=11 m=56
